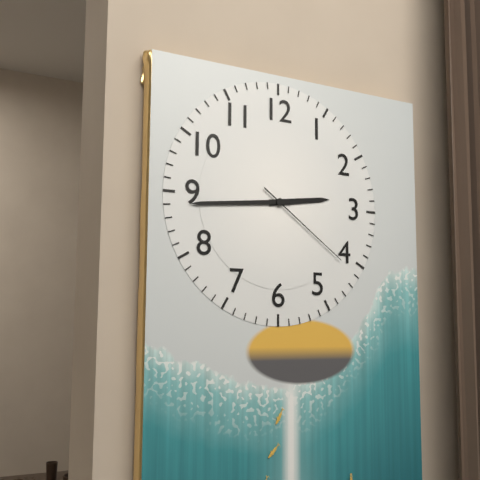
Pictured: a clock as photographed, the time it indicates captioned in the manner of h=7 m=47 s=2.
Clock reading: h=2 m=44 s=21
